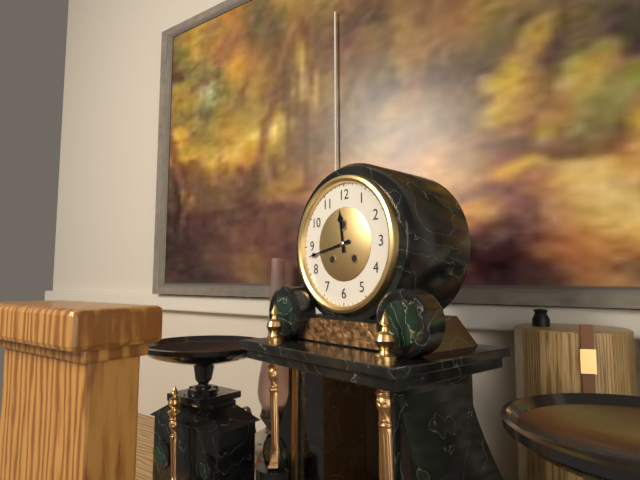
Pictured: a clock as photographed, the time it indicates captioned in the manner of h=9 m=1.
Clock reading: h=11 m=43
